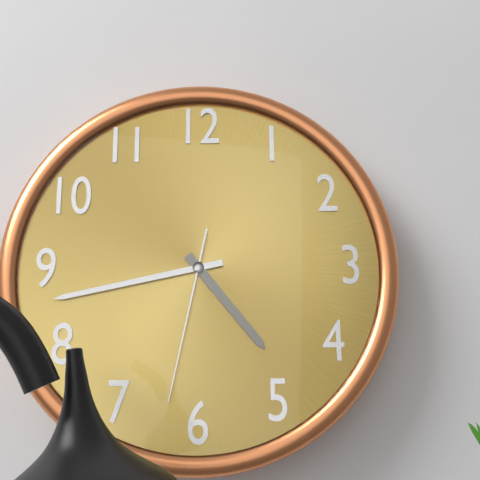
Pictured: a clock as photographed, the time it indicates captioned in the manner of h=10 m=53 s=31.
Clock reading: h=4 m=43 s=32
